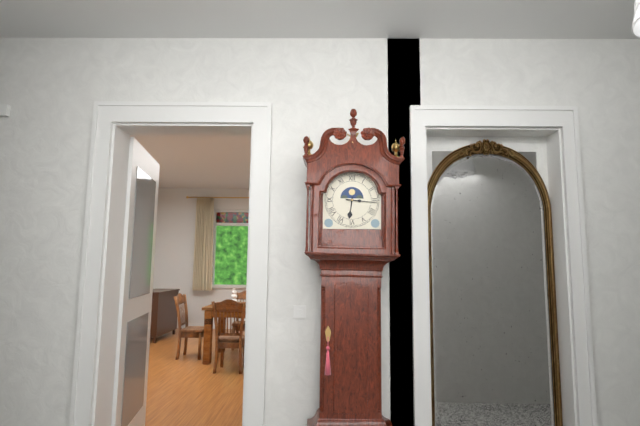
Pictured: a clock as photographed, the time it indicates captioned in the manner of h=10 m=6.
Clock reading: h=6 m=16
